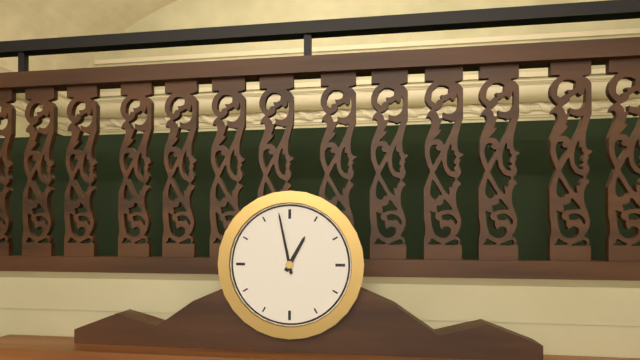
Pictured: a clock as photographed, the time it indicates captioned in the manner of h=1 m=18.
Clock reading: h=12 m=58
